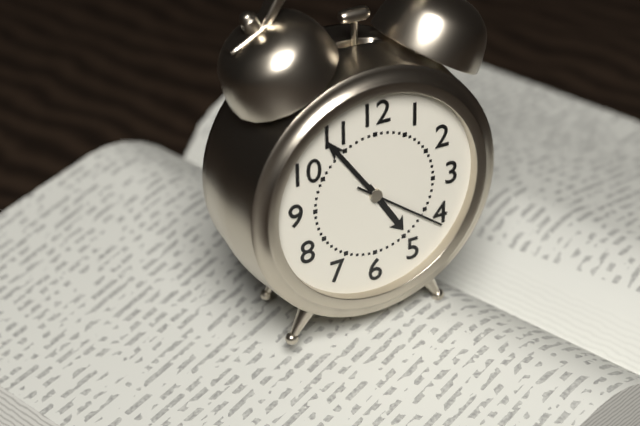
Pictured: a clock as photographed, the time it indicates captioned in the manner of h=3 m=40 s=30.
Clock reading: h=4 m=54 s=21
